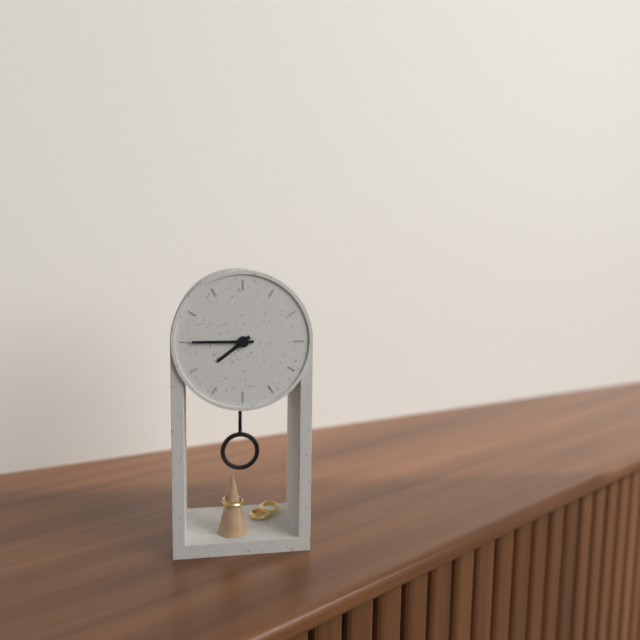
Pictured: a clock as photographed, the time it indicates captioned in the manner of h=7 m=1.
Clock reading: h=7 m=45
